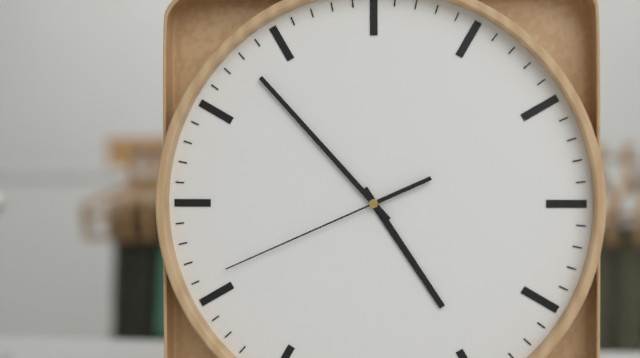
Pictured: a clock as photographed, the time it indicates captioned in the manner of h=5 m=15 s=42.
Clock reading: h=4 m=53 s=41
